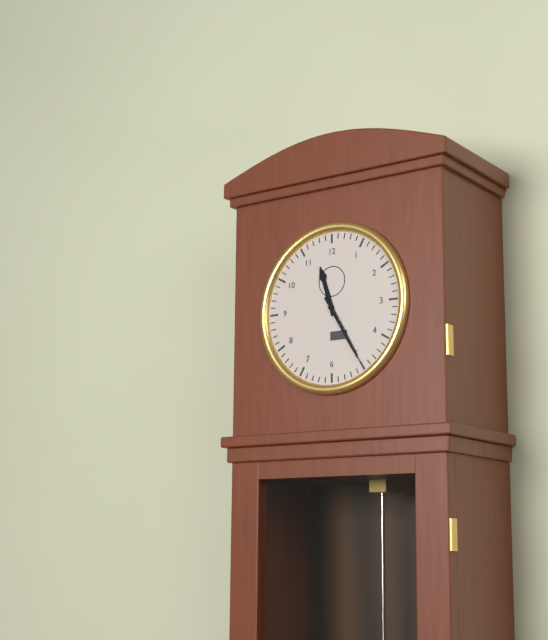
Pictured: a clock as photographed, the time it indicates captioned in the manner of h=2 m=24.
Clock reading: h=11 m=25
